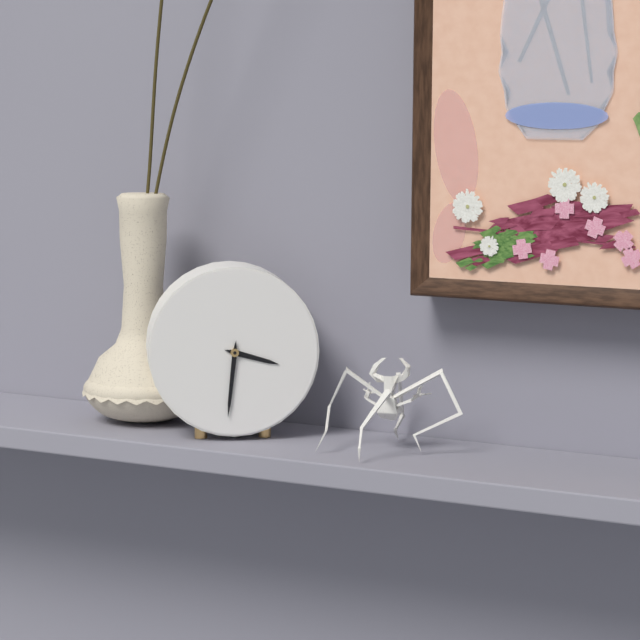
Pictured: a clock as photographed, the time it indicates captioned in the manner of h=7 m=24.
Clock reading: h=3 m=31
